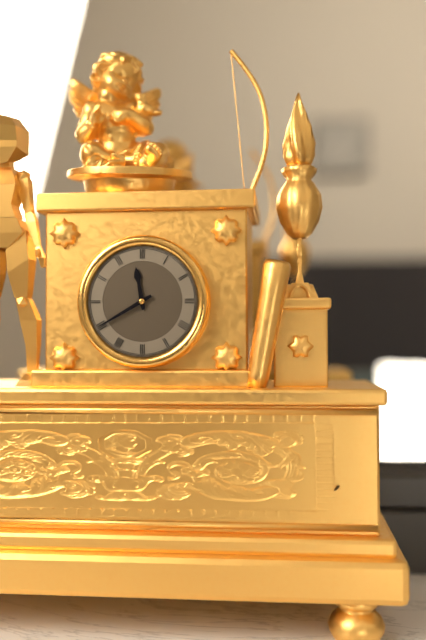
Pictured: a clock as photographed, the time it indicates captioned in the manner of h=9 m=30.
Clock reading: h=11 m=40
